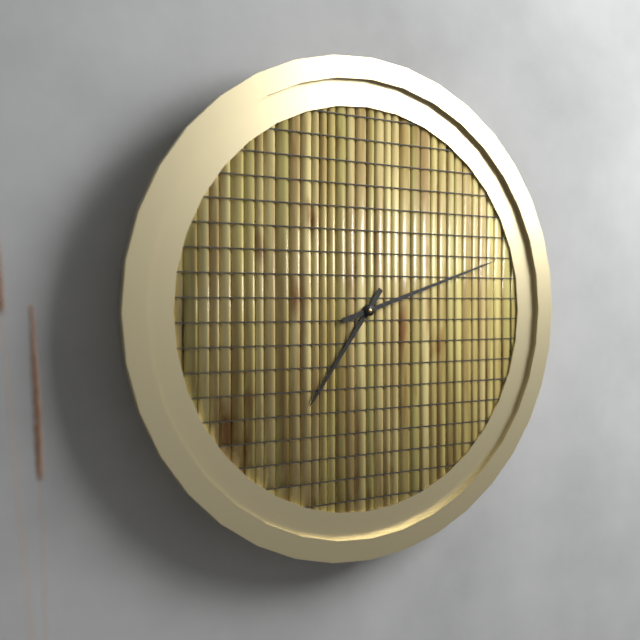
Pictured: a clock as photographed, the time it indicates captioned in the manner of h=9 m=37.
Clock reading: h=7 m=12
